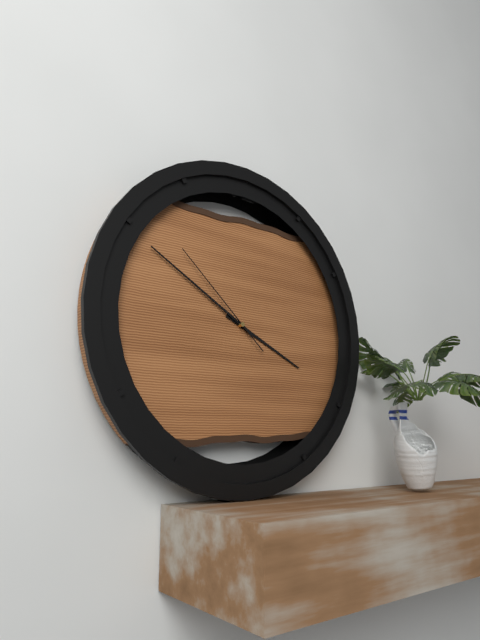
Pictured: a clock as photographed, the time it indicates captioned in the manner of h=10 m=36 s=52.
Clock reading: h=3 m=50 s=52
